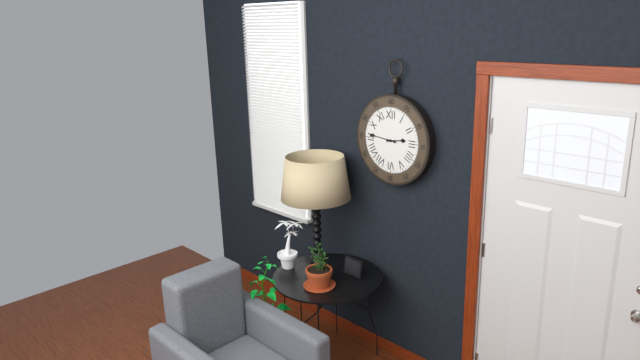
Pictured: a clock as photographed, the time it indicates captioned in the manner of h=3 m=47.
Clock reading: h=2 m=46
